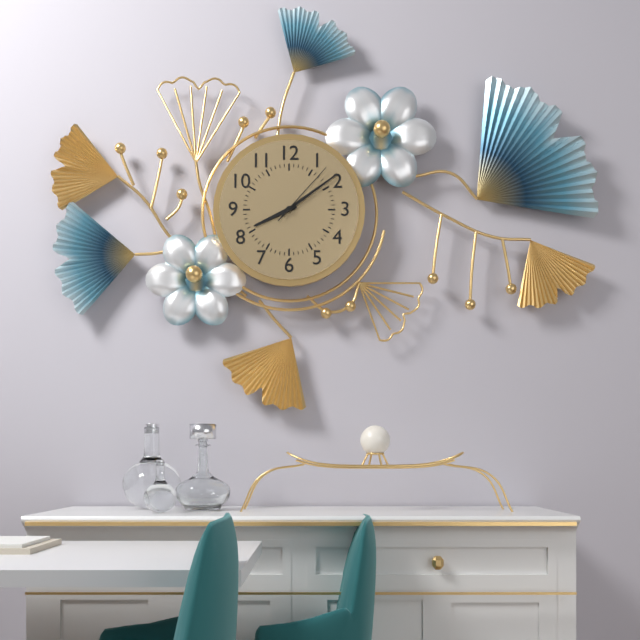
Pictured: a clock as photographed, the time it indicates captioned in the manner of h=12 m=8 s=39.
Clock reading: h=8 m=9 s=7
